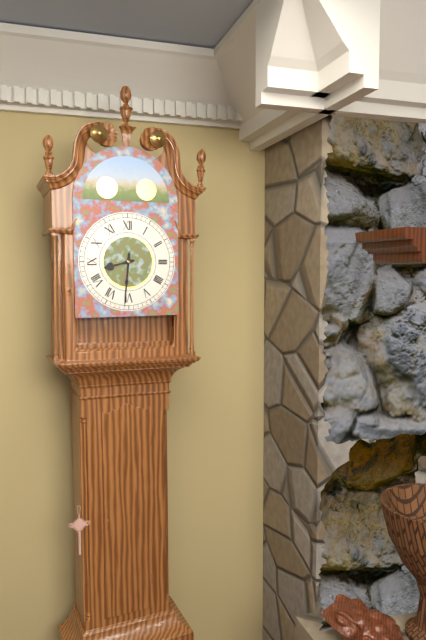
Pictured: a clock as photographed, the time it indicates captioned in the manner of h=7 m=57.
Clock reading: h=8 m=31
